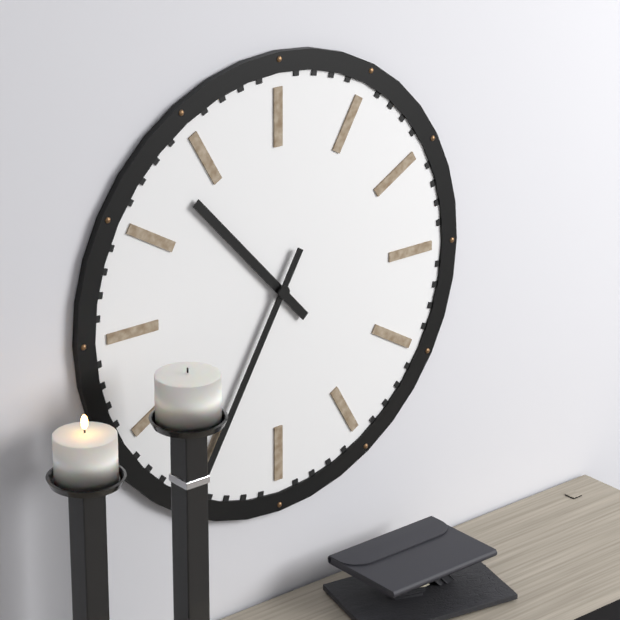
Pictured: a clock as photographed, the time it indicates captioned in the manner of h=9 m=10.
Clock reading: h=10 m=35
